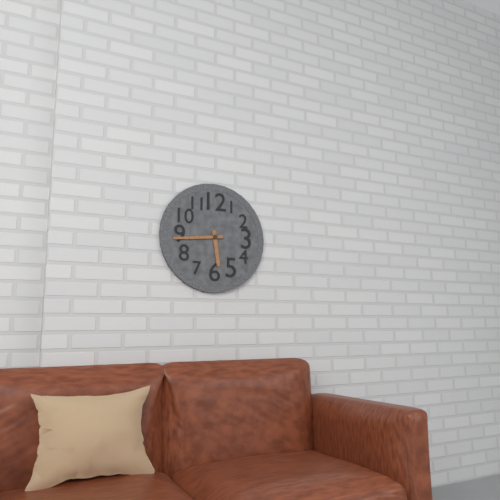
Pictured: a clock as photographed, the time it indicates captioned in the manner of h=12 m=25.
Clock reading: h=5 m=44
